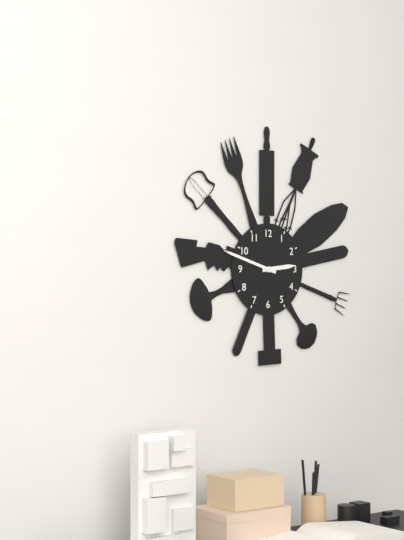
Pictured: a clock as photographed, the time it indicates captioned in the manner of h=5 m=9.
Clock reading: h=2 m=48
